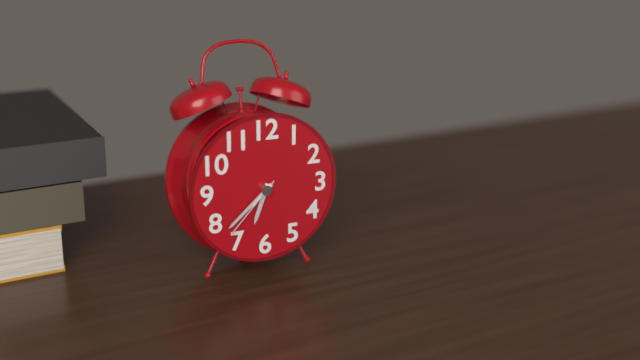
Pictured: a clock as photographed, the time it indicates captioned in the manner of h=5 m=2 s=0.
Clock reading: h=6 m=38 s=37
